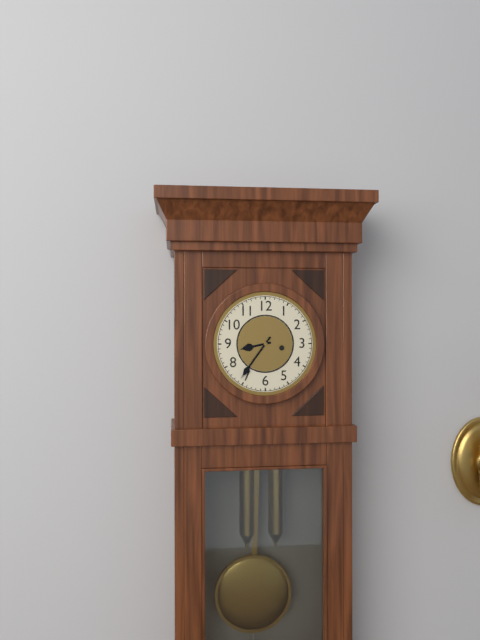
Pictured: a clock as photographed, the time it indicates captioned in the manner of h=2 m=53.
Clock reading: h=8 m=36
